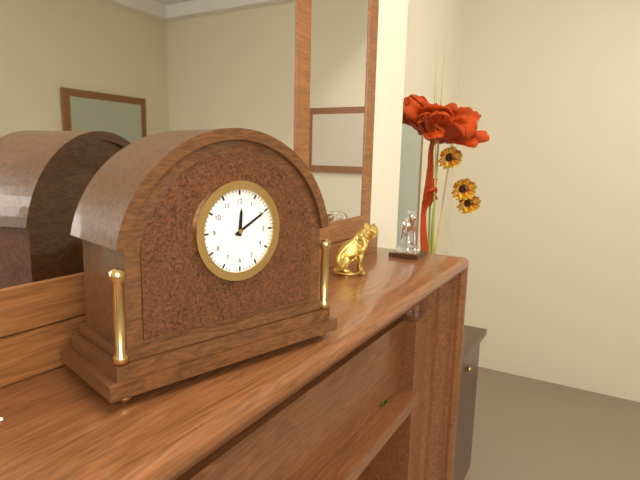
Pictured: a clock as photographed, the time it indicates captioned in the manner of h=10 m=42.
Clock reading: h=12 m=10
